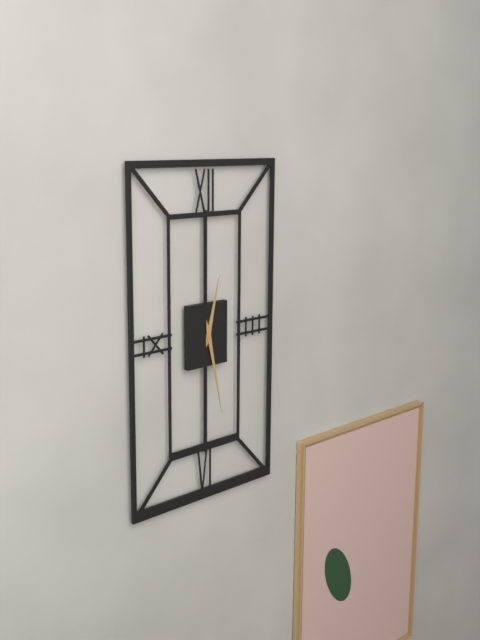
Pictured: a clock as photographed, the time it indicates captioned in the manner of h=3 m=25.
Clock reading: h=12 m=28
